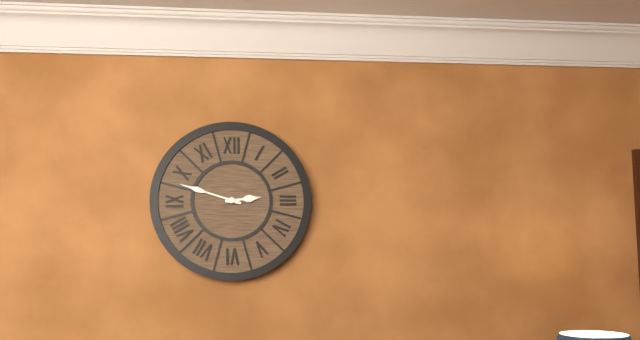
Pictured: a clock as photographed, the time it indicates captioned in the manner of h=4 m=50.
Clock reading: h=2 m=48
